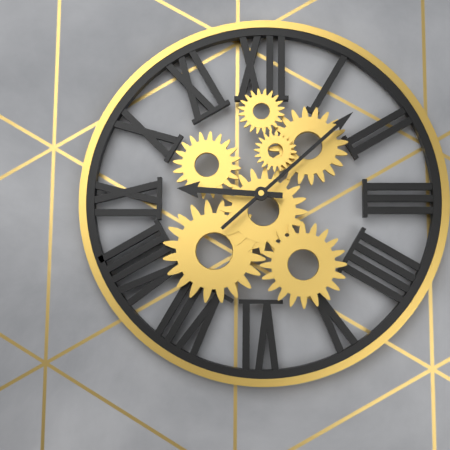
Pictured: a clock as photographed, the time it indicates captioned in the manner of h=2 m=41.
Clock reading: h=9 m=8
